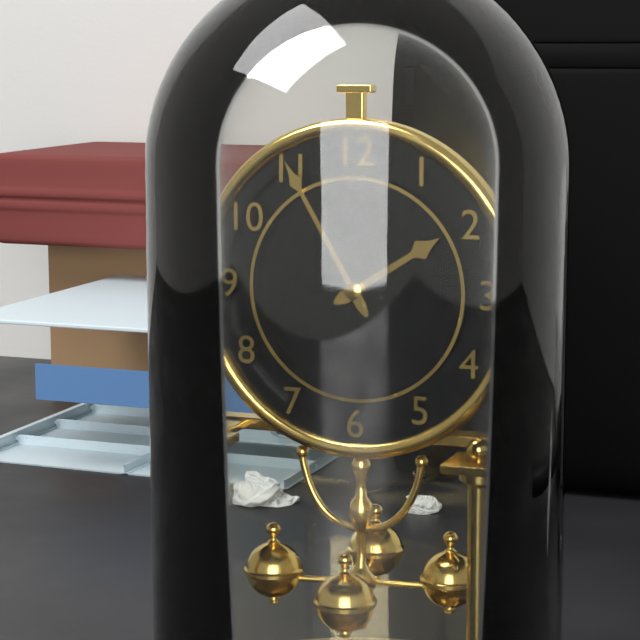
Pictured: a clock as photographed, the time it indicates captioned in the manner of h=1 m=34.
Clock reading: h=1 m=55
